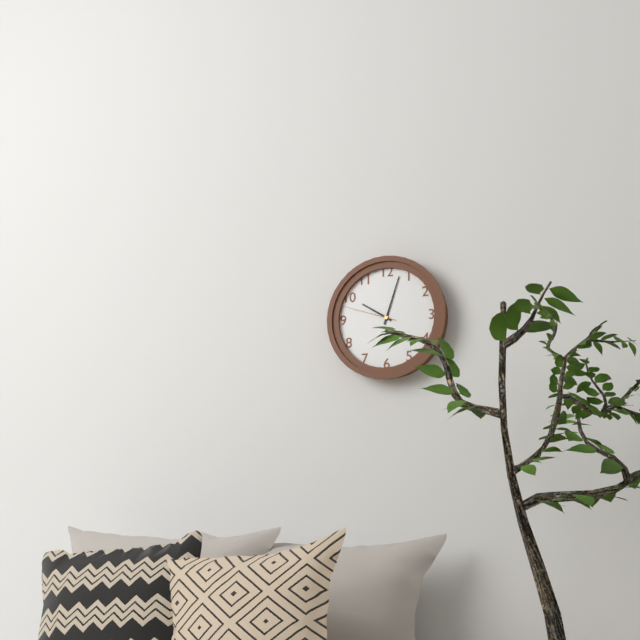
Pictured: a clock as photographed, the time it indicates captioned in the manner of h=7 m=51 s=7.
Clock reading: h=10 m=3 s=48
